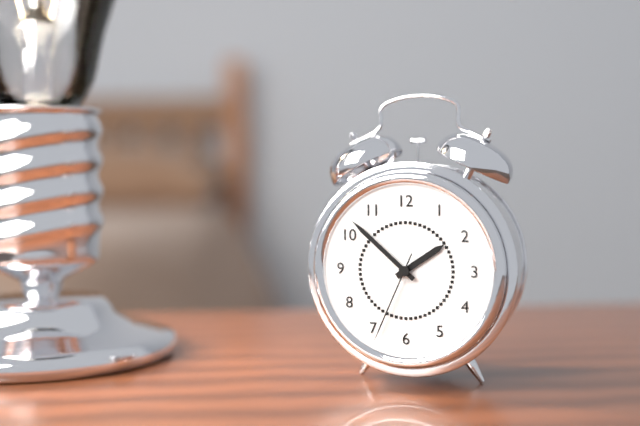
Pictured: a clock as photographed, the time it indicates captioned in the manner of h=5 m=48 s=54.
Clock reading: h=1 m=52 s=34
